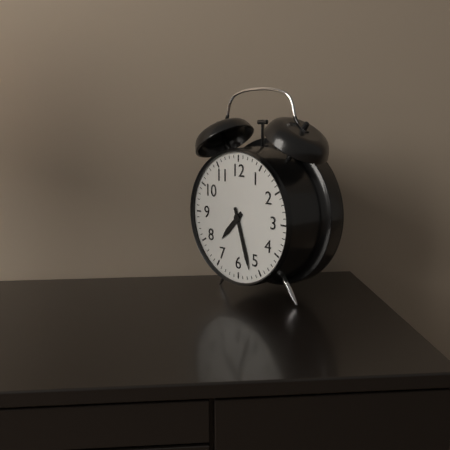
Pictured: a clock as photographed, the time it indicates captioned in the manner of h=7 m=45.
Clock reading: h=7 m=27
